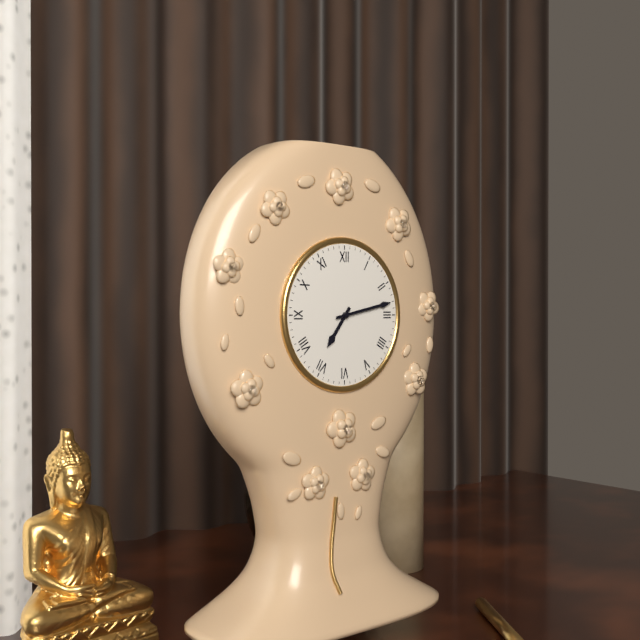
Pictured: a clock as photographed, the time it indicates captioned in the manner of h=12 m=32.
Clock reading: h=7 m=13
